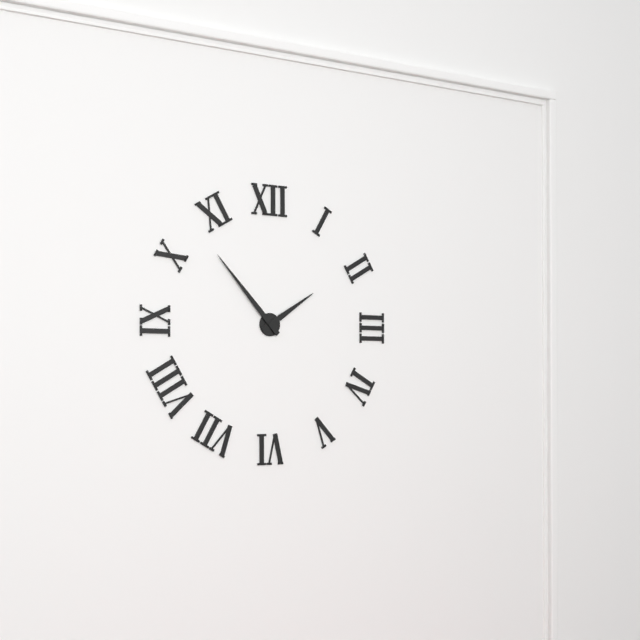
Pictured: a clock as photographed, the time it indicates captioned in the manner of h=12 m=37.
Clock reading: h=1 m=53
